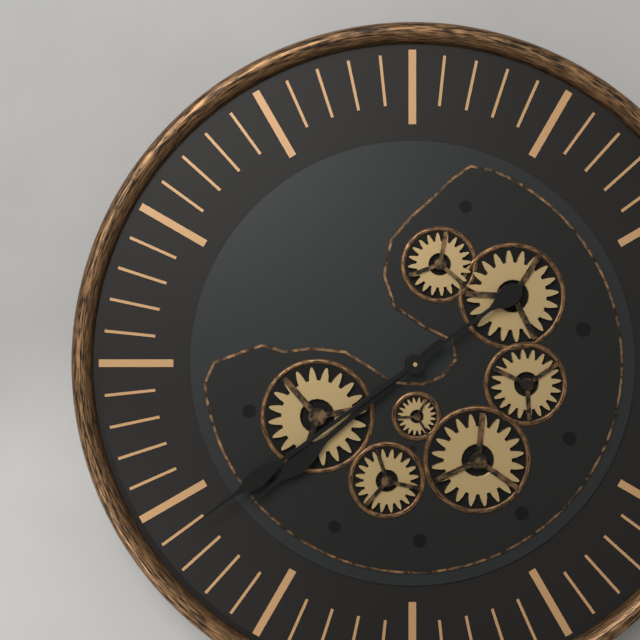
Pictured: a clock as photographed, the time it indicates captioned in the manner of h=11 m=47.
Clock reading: h=7 m=39
